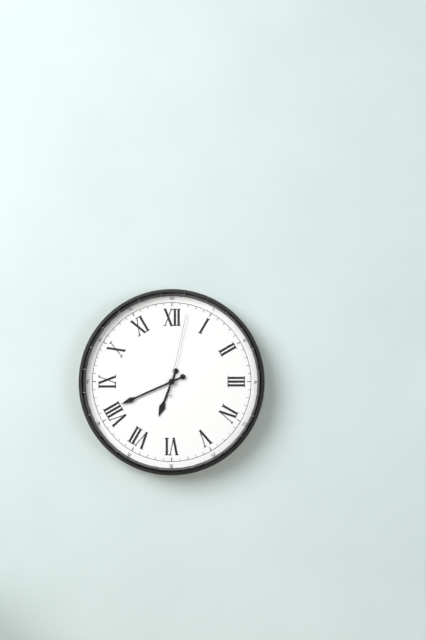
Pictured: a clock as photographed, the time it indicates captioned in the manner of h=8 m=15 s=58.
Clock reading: h=6 m=41 s=2
